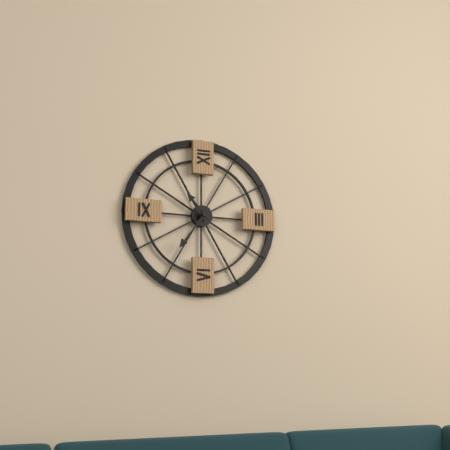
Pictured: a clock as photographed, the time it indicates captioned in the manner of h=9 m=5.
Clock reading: h=10 m=36
